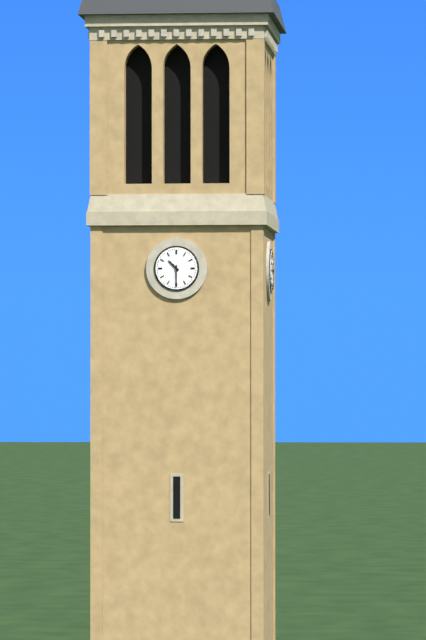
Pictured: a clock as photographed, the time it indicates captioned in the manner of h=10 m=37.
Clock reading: h=10 m=30
